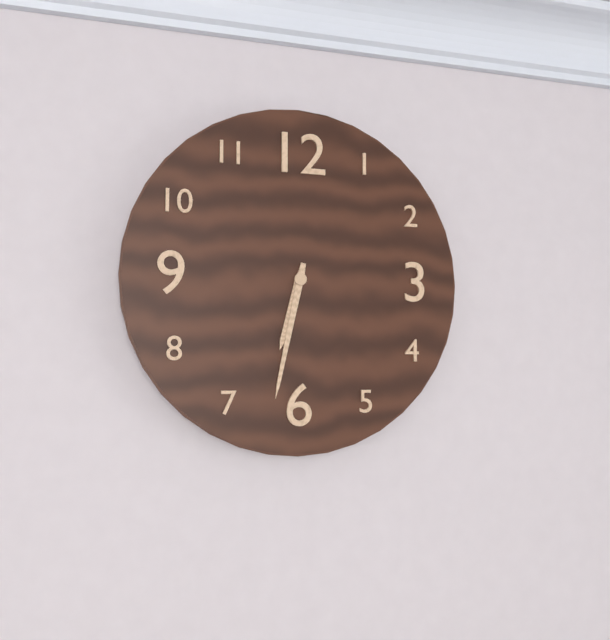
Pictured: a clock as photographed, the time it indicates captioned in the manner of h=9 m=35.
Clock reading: h=6 m=32
